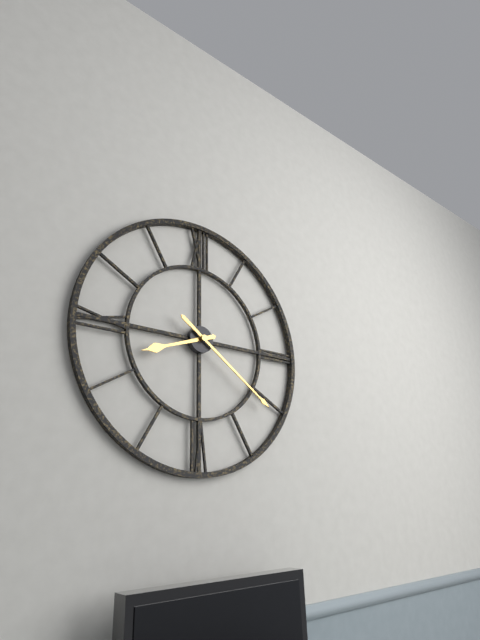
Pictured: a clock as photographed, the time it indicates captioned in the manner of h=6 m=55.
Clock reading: h=8 m=21
